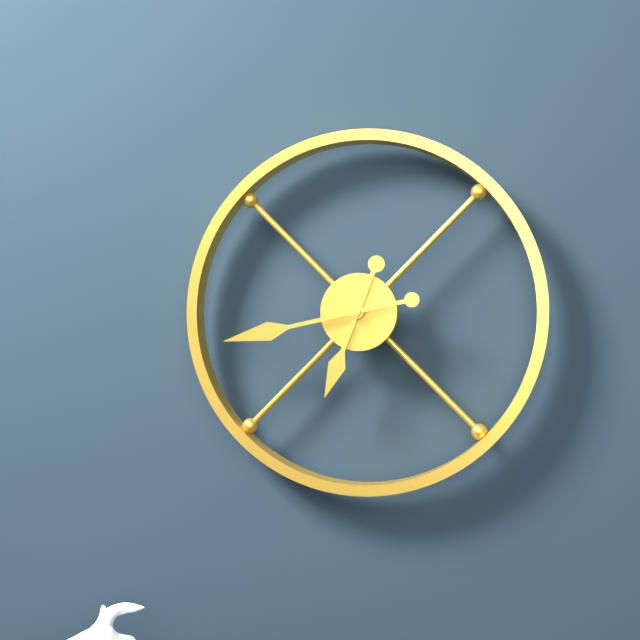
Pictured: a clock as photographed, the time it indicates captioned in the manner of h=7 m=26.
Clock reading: h=6 m=43
